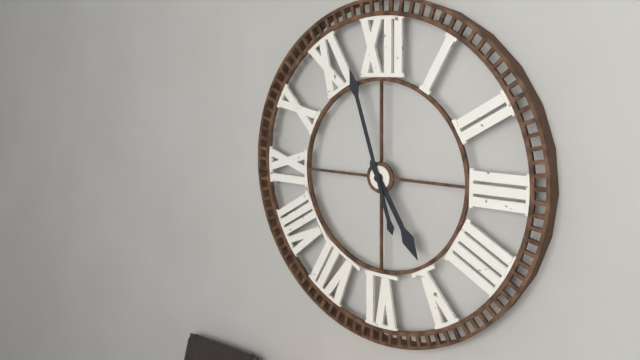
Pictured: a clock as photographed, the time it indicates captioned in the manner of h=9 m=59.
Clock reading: h=4 m=57
